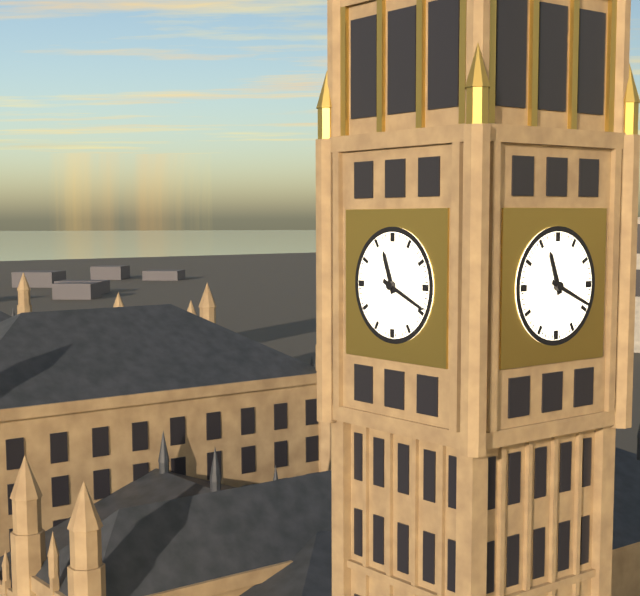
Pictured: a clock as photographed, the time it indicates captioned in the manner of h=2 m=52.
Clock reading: h=11 m=19
